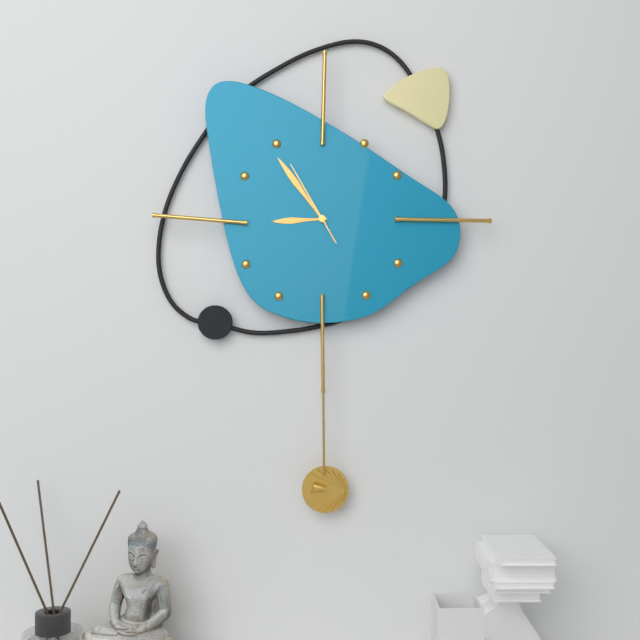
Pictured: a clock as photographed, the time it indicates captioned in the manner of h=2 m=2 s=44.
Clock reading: h=8 m=54 s=55
